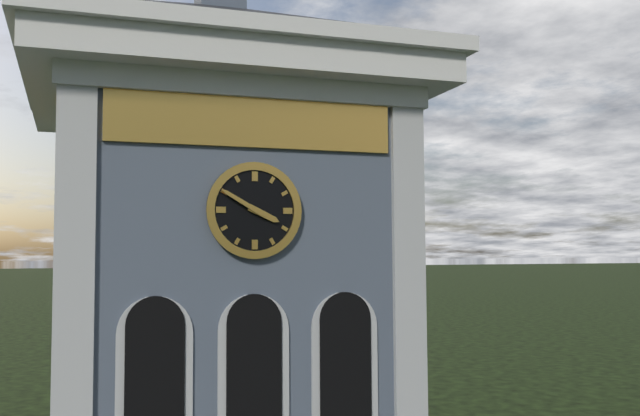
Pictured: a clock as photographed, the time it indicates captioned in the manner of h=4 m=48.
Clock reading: h=3 m=50
